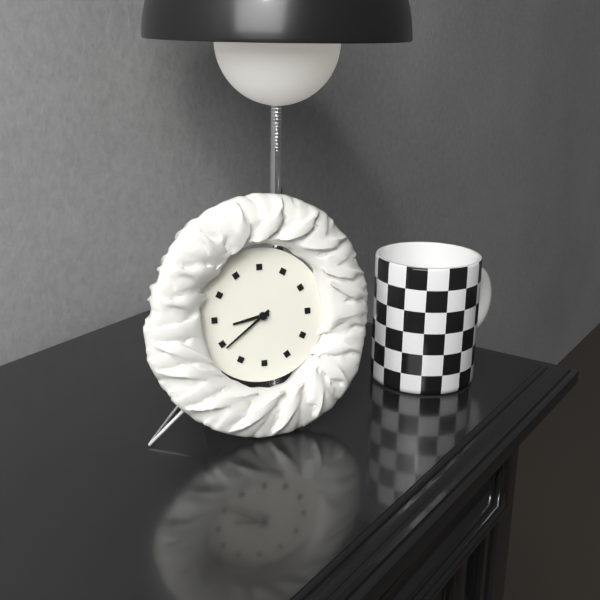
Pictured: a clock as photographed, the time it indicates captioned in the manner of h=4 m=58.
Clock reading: h=8 m=39
